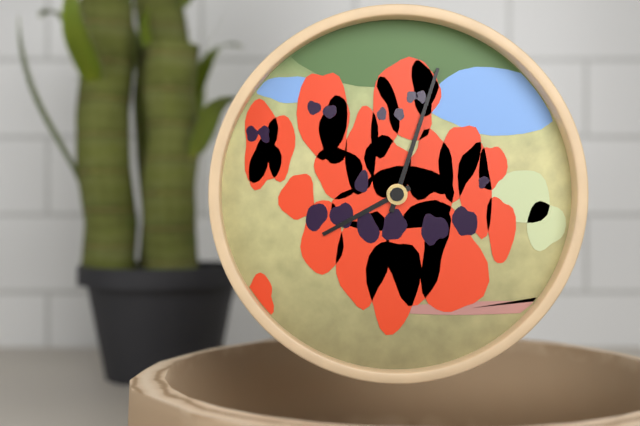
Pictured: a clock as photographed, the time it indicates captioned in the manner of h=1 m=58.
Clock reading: h=8 m=3
